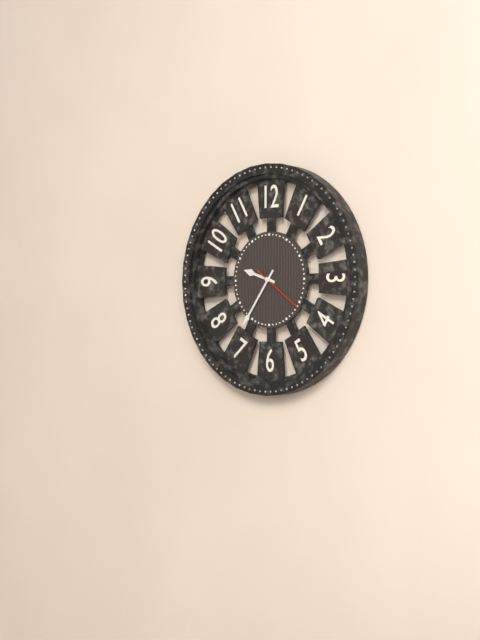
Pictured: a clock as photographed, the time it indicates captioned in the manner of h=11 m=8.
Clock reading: h=9 m=36
